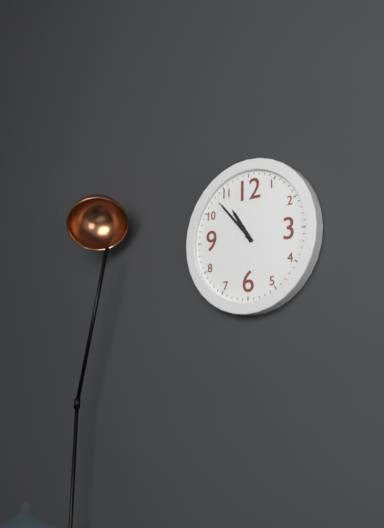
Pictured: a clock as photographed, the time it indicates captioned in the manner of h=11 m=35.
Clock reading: h=10 m=53
